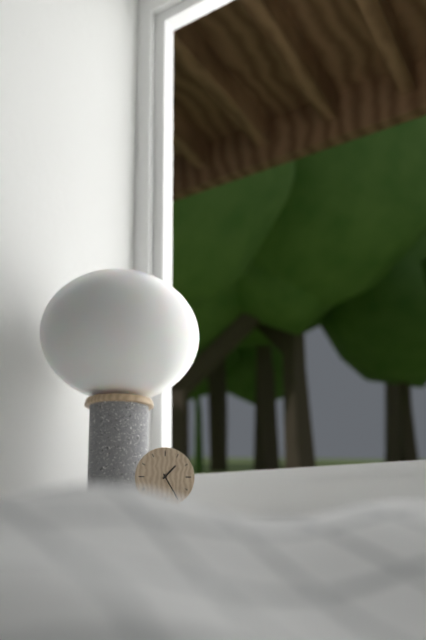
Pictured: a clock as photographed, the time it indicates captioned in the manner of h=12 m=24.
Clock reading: h=1 m=25
